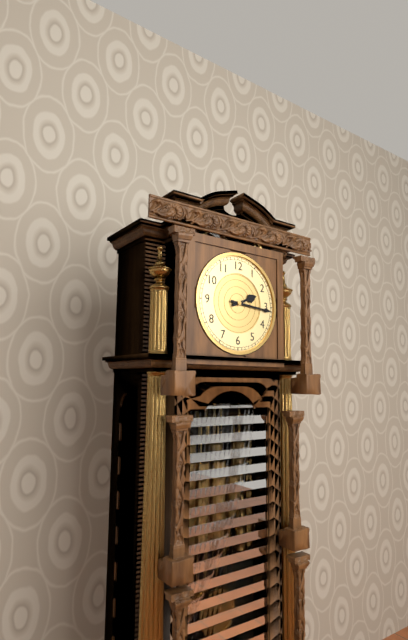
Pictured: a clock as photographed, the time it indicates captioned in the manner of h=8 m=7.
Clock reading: h=2 m=16
